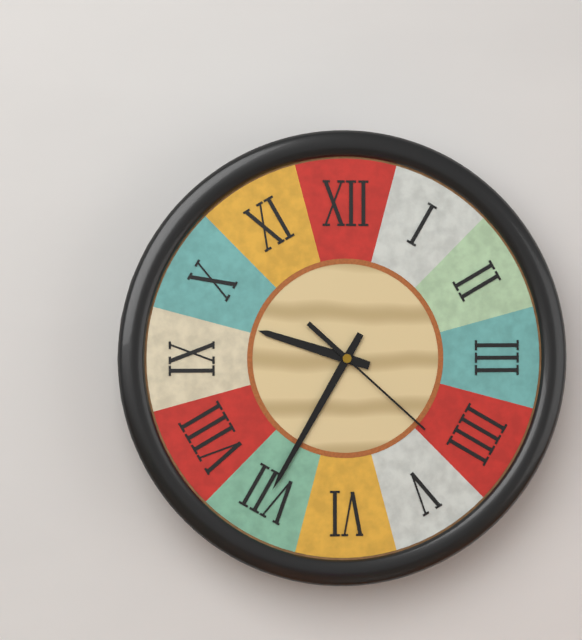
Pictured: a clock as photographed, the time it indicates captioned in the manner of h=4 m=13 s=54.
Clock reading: h=9 m=35 s=22
